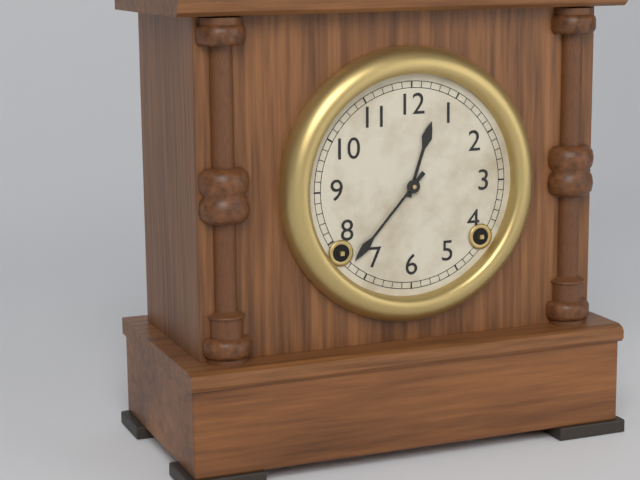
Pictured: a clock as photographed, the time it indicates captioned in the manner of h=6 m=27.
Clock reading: h=12 m=37
